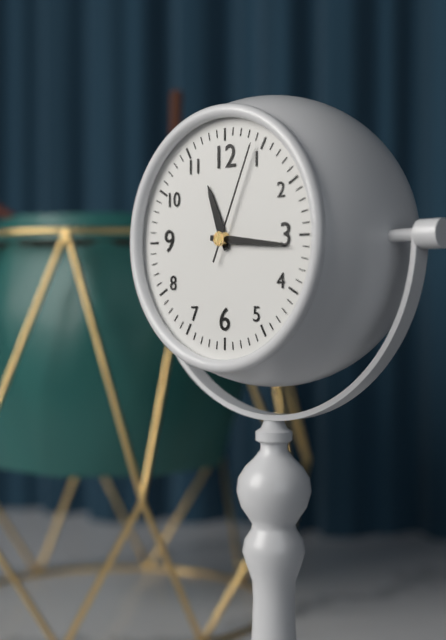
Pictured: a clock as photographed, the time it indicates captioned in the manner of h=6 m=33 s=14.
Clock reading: h=11 m=16 s=4
